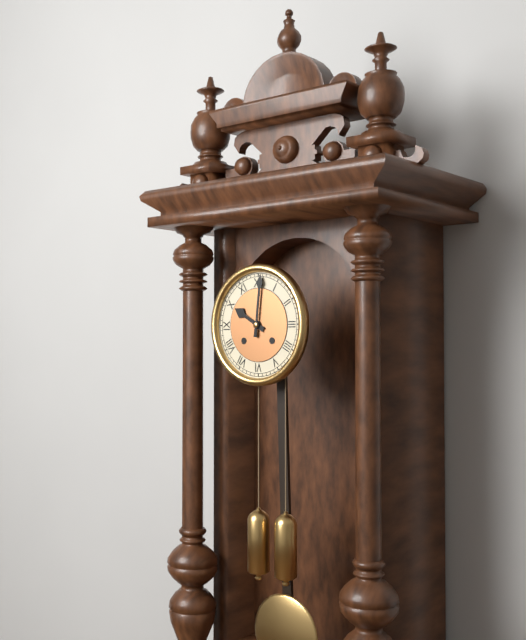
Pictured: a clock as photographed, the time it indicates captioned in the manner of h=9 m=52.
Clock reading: h=10 m=1
